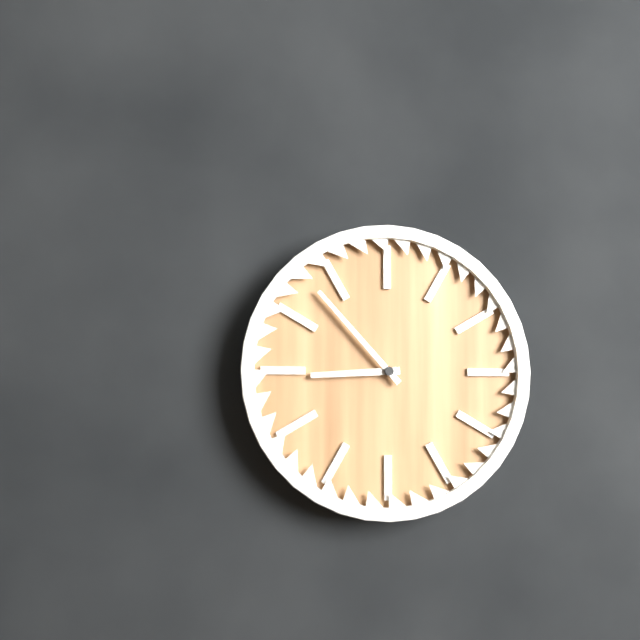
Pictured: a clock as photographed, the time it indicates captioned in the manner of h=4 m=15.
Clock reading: h=8 m=53
